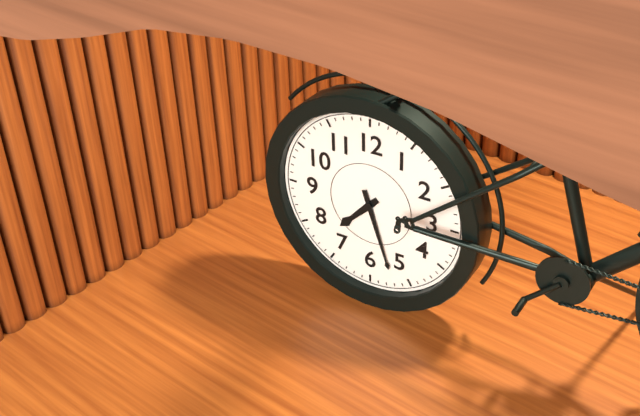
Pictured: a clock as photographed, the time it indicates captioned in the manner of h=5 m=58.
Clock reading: h=7 m=27
